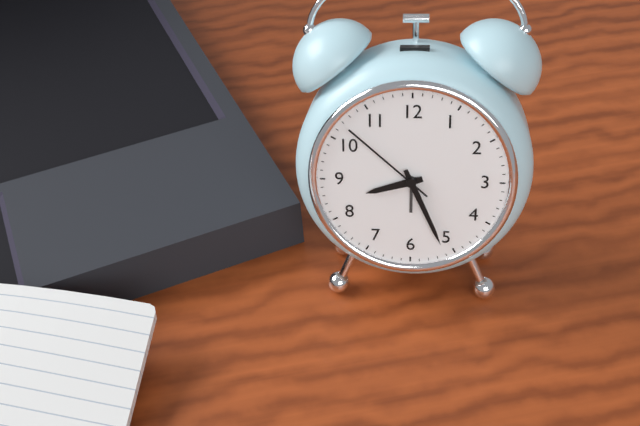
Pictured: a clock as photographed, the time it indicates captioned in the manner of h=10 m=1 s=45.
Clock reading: h=8 m=26 s=52
